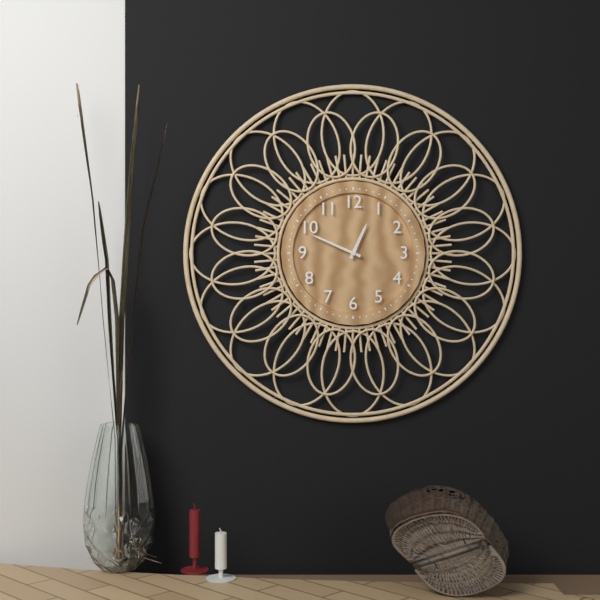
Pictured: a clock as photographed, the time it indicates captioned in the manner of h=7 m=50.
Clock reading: h=12 m=49
